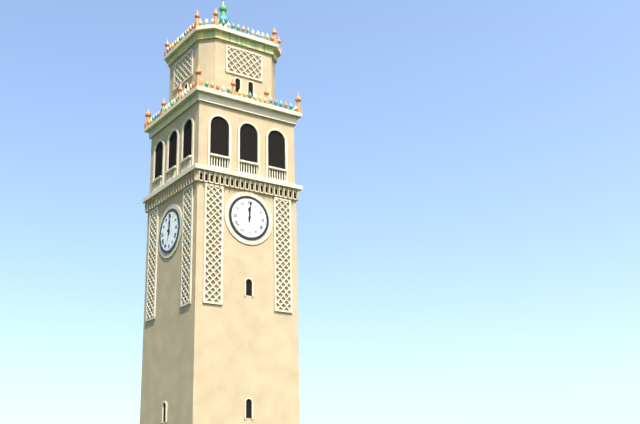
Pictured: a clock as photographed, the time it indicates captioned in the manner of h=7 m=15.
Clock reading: h=12 m=1
